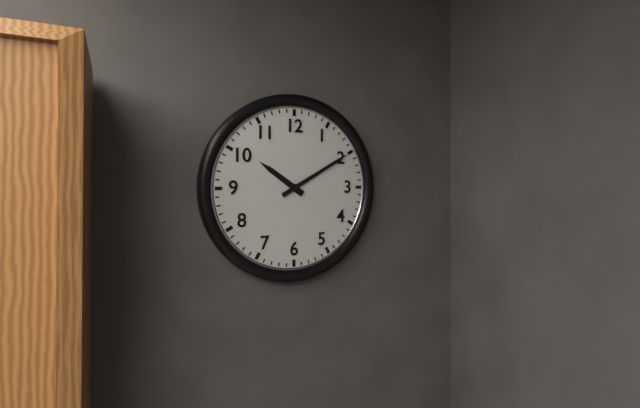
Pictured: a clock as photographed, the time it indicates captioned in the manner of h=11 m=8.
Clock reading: h=10 m=10
